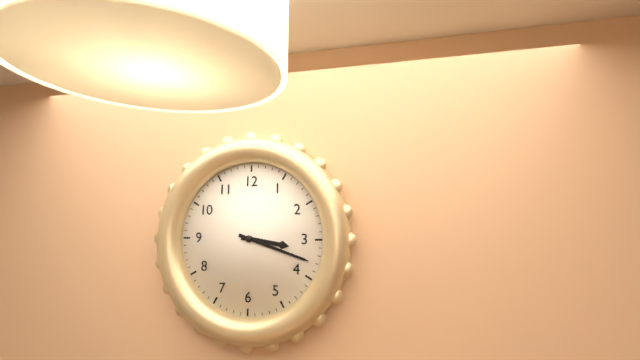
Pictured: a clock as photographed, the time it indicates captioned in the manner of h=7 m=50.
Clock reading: h=3 m=18
